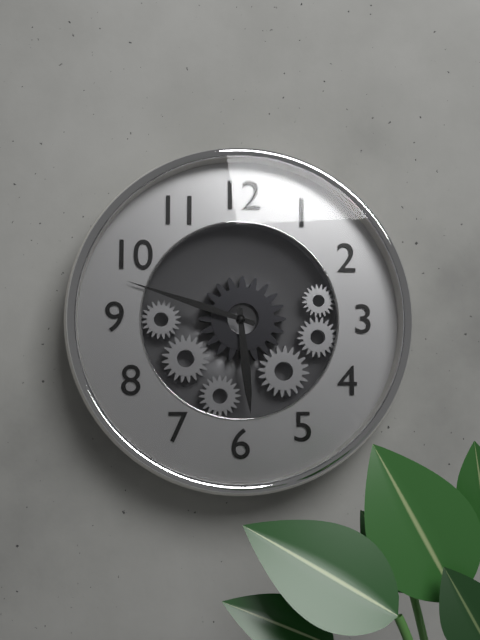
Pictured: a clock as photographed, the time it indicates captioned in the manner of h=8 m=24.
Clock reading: h=5 m=48
